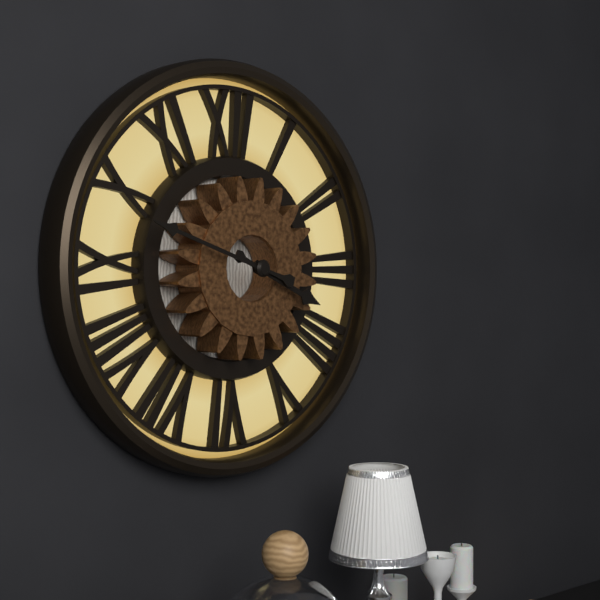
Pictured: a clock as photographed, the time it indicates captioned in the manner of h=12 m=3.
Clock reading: h=3 m=48
